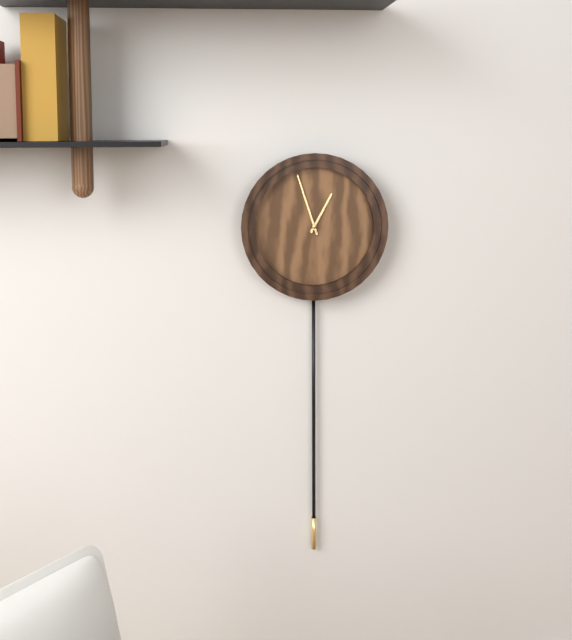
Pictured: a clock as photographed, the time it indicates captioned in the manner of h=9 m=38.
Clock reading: h=12 m=57
